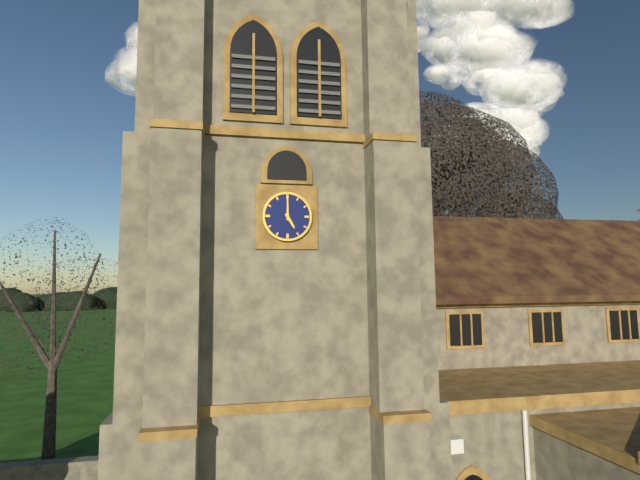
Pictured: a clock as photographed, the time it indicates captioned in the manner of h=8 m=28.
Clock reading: h=5 m=0
